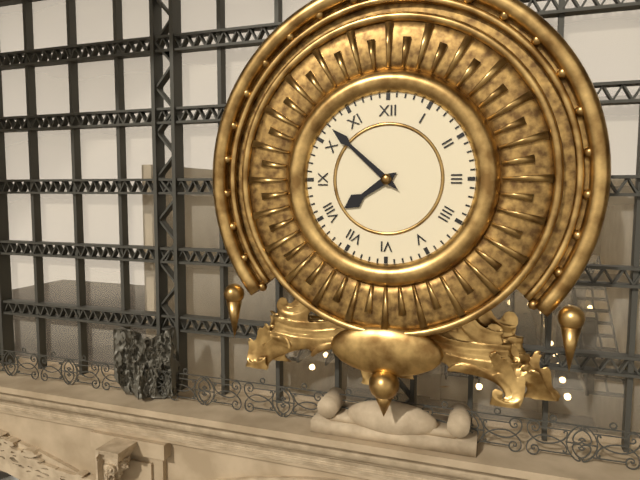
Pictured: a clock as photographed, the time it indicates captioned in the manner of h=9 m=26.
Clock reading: h=7 m=52
